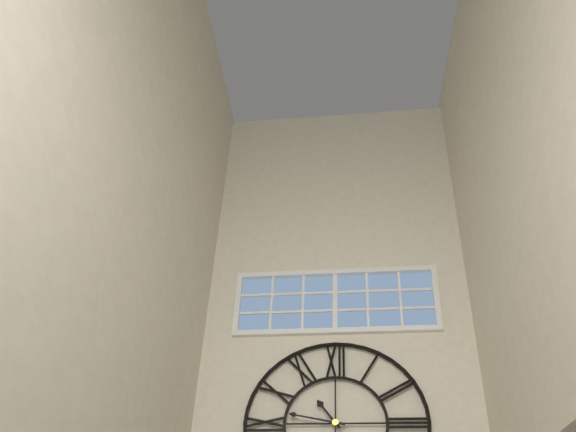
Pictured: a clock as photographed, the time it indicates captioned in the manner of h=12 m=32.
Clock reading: h=10 m=47
